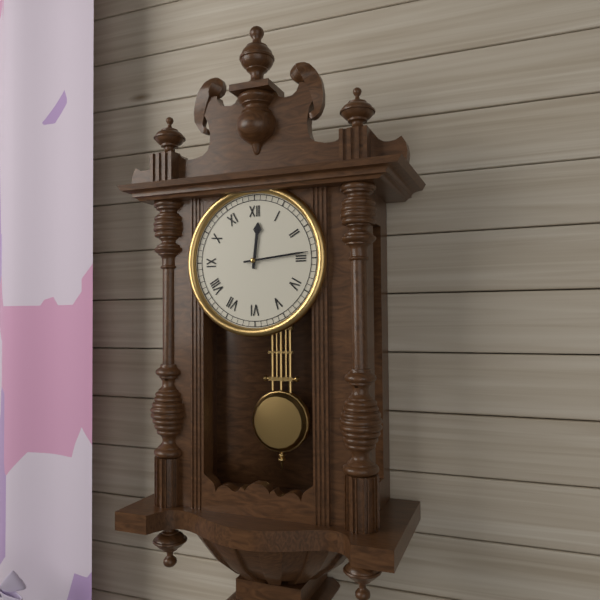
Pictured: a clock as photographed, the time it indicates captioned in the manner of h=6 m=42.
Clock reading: h=12 m=14
